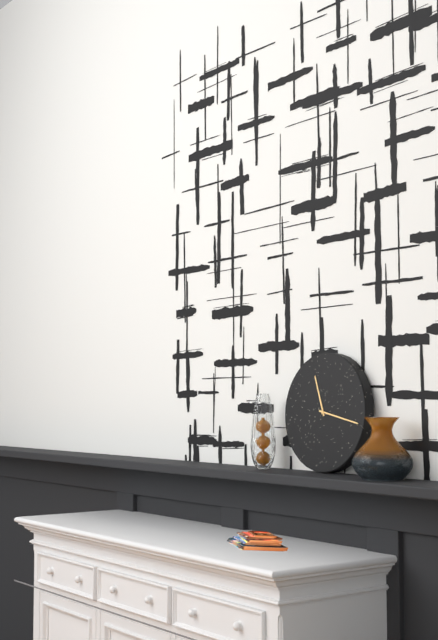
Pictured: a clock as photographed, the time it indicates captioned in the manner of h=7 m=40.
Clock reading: h=11 m=17
